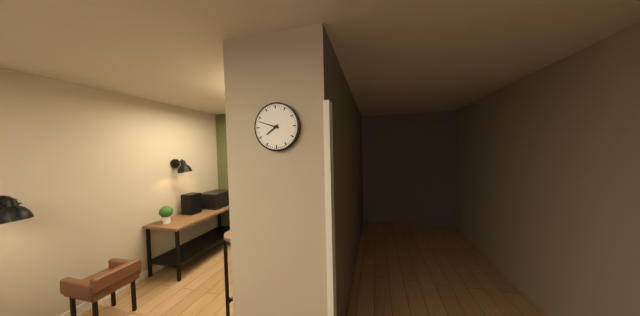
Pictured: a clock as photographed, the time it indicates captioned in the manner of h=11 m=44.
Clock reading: h=7 m=48
